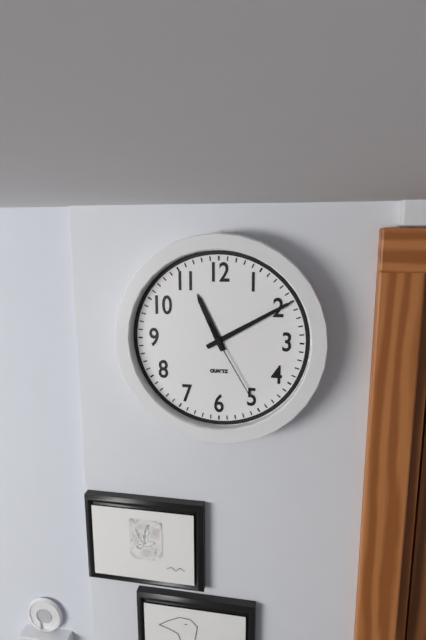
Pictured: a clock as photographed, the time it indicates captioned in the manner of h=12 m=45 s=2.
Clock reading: h=11 m=10 s=25
